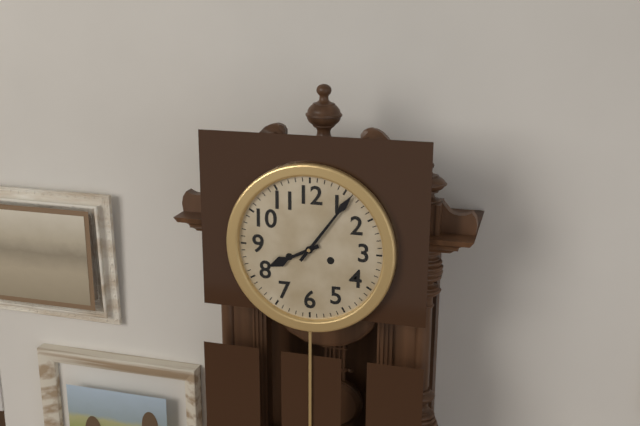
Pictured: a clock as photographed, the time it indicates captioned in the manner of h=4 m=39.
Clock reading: h=8 m=6
